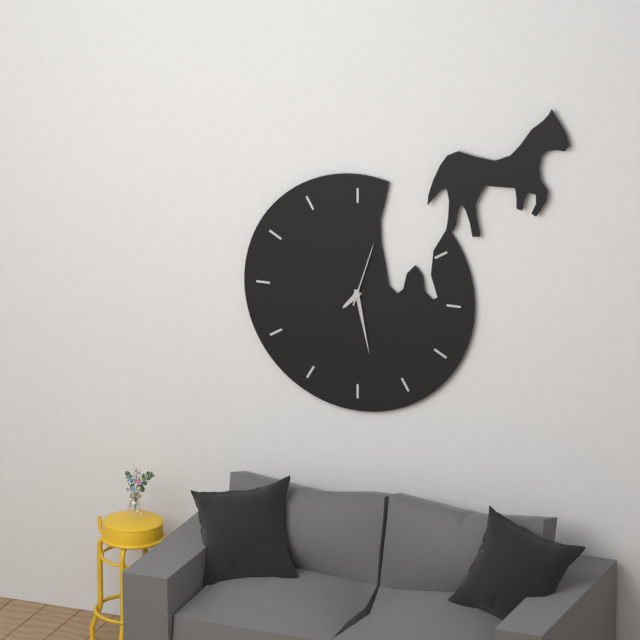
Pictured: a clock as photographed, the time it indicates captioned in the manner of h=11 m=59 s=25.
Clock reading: h=7 m=28 s=3
